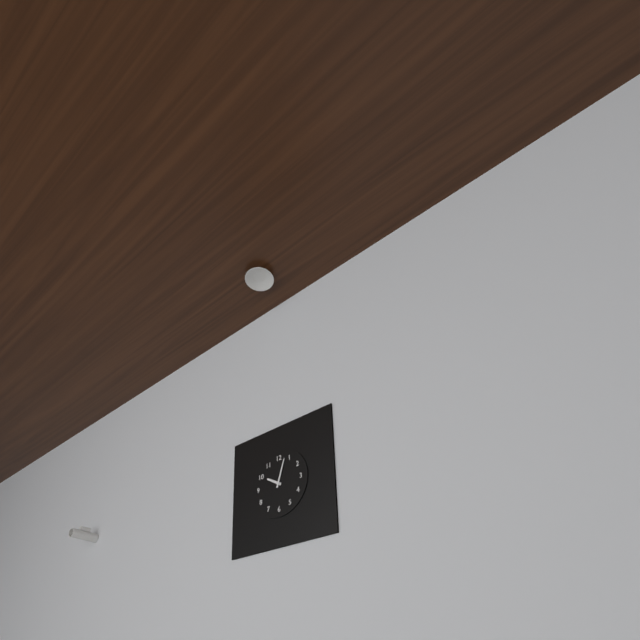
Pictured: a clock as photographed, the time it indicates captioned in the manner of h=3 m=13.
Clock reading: h=10 m=3
